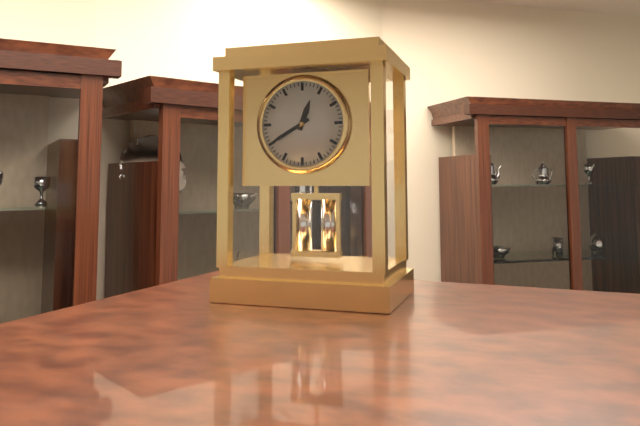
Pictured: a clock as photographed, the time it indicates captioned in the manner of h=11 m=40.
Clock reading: h=12 m=40
